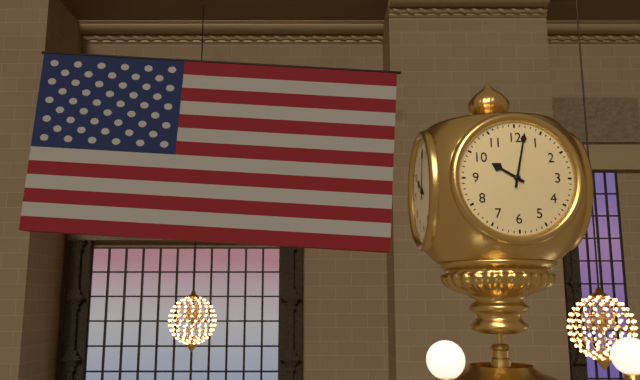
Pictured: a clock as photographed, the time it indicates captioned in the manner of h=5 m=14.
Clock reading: h=10 m=2
